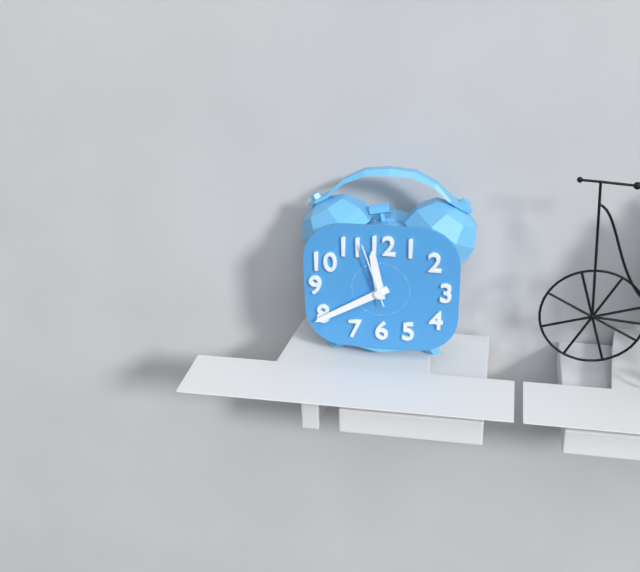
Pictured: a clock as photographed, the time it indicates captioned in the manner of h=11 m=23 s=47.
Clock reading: h=11 m=40 s=57
